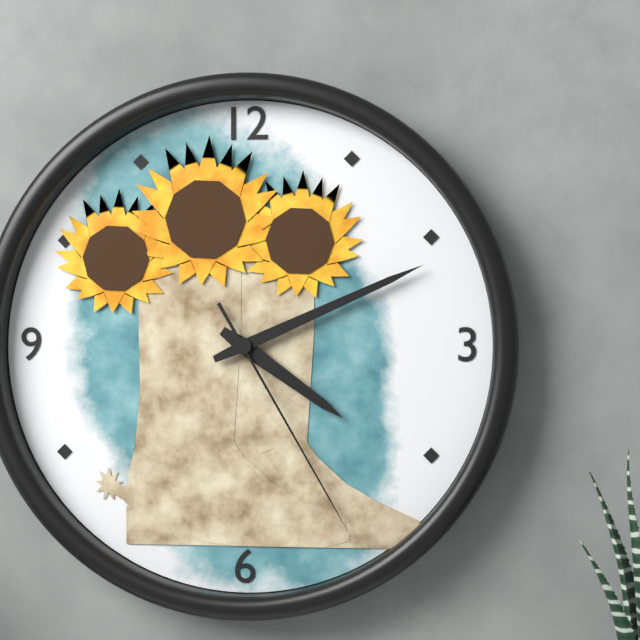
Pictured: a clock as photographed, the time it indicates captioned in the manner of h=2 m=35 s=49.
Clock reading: h=4 m=11 s=25
